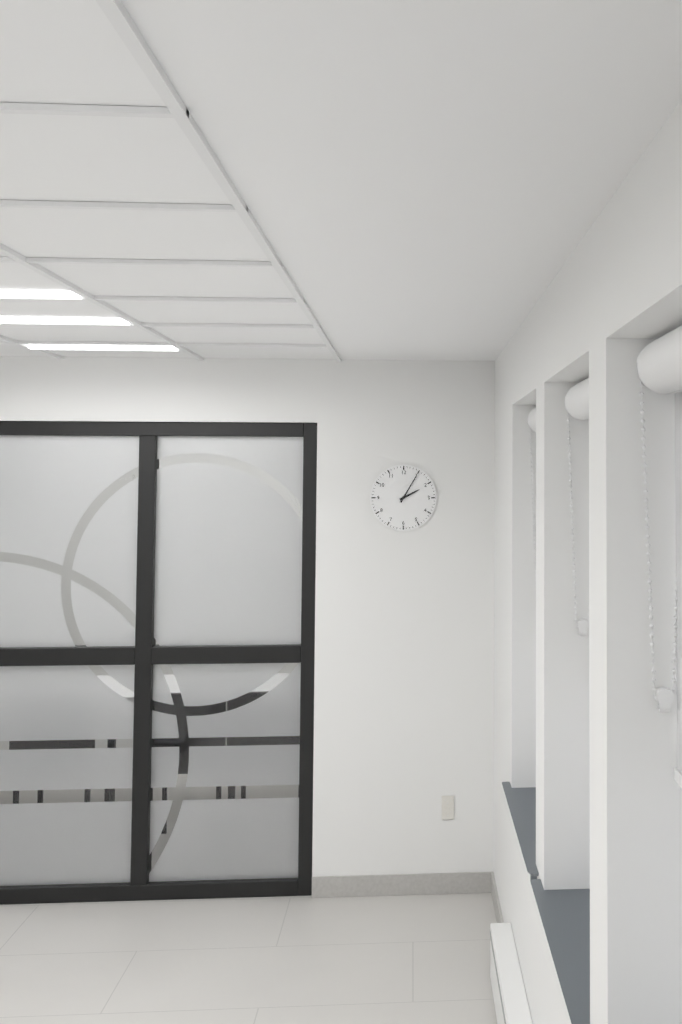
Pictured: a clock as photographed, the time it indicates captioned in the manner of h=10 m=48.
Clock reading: h=2 m=5
